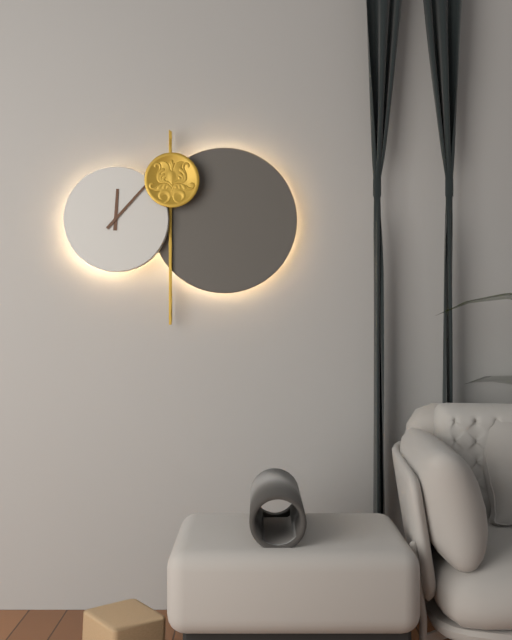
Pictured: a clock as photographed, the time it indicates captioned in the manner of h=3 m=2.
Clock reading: h=12 m=7
